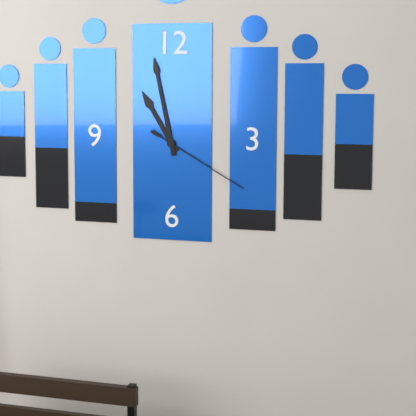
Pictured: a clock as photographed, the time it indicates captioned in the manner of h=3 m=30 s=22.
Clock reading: h=10 m=58 s=20
